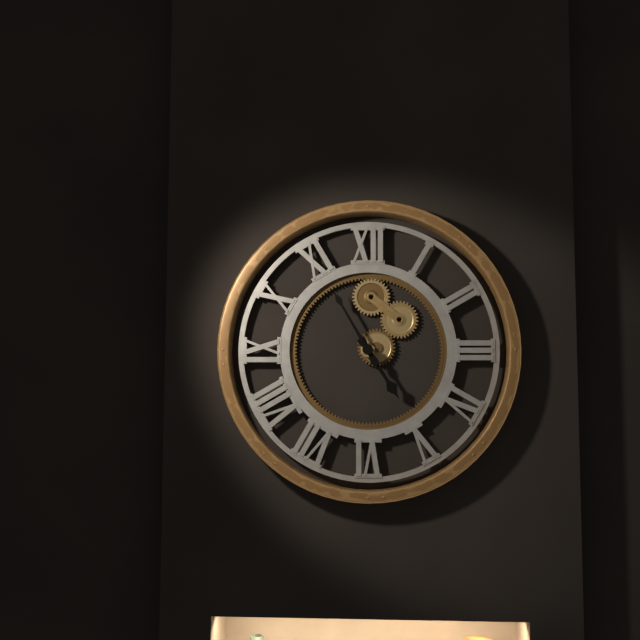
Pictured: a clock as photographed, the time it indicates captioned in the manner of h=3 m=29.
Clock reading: h=4 m=55
